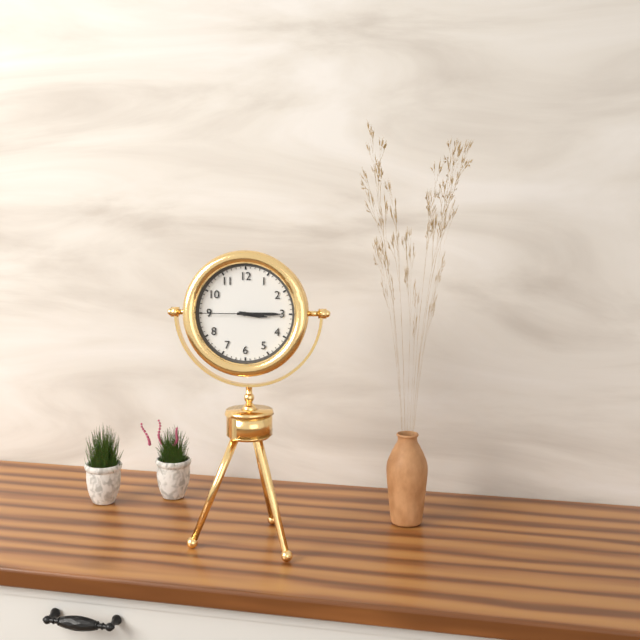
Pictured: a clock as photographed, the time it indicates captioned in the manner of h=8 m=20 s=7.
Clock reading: h=3 m=15 s=45
